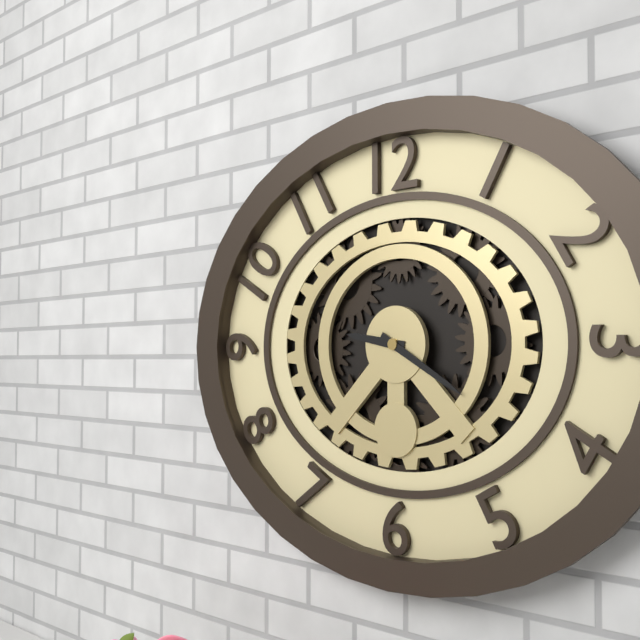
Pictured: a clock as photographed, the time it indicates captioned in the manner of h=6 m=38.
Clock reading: h=9 m=20
